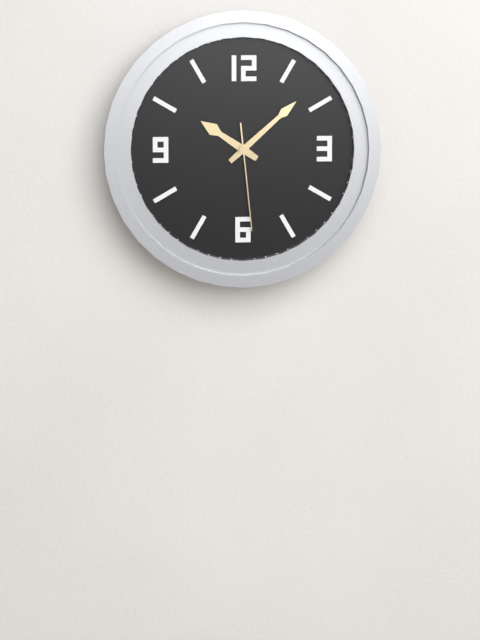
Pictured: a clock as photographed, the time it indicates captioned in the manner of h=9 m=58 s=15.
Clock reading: h=10 m=8 s=29
